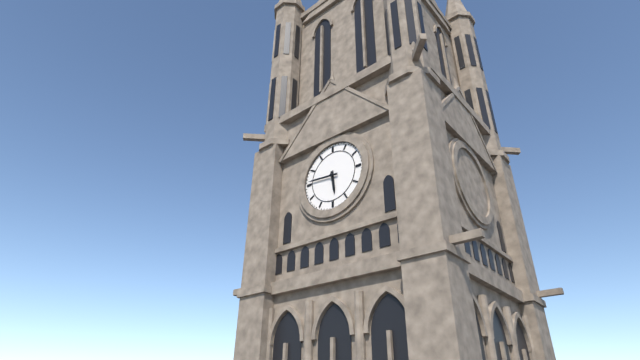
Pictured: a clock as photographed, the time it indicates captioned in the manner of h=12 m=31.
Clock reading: h=5 m=46
